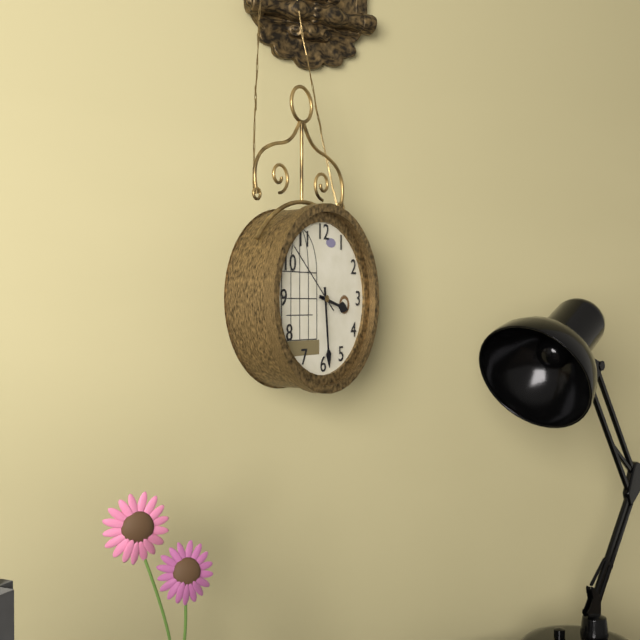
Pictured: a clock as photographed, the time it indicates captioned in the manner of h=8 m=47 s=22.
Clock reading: h=3 m=29 s=52
